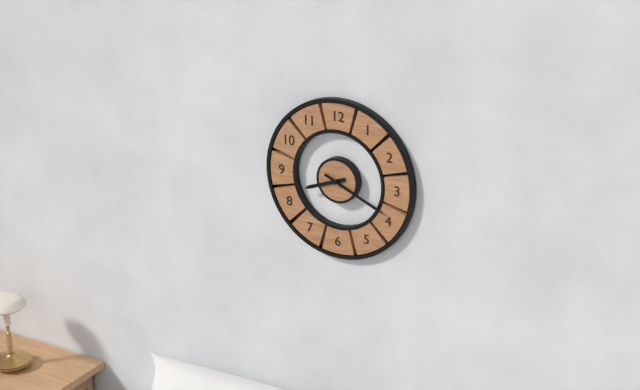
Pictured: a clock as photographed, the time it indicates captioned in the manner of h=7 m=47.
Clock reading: h=8 m=19
